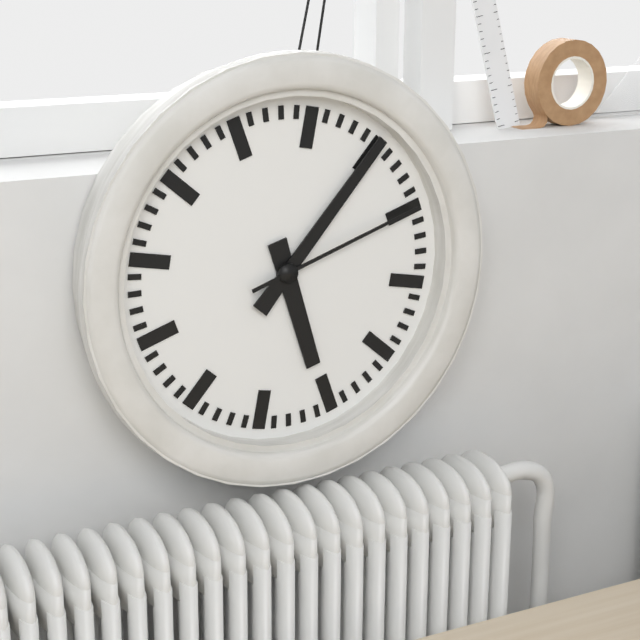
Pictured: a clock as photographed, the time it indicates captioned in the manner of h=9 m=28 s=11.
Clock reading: h=5 m=5 s=10
